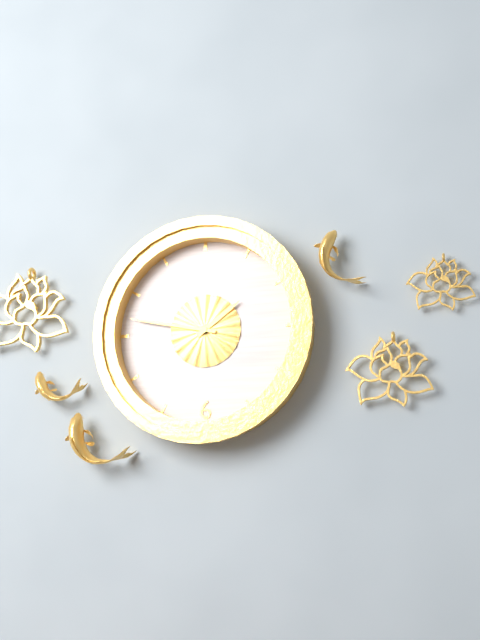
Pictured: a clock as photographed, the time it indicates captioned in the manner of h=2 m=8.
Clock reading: h=1 m=47
